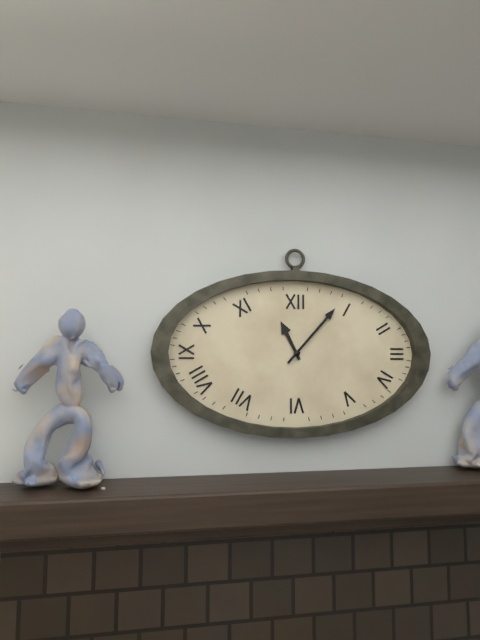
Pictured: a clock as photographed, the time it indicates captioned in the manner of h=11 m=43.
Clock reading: h=11 m=7
